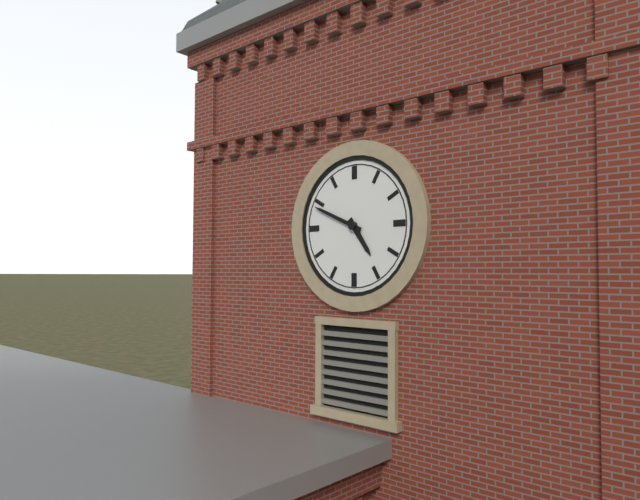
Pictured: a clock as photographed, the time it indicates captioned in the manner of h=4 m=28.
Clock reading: h=4 m=49
